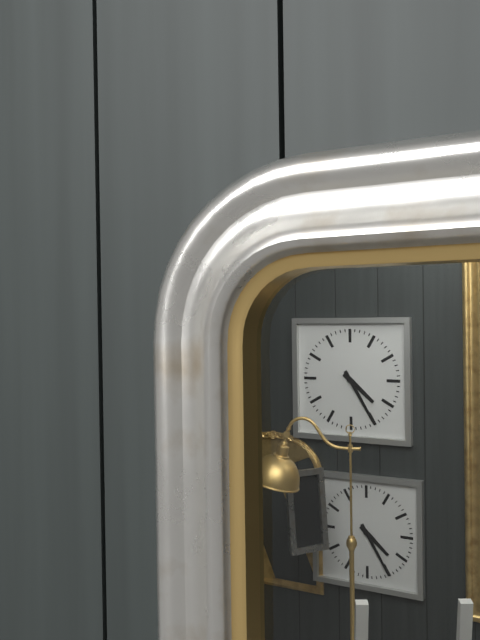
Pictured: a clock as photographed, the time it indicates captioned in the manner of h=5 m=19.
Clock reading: h=4 m=25
